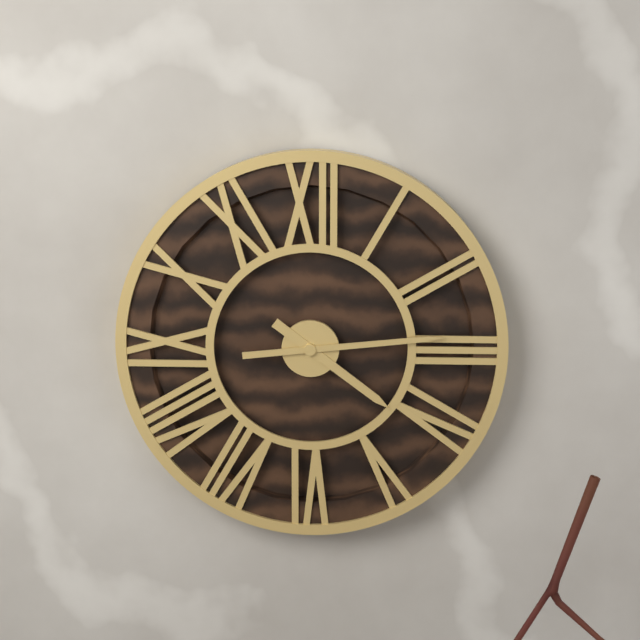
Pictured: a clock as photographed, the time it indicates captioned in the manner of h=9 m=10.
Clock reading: h=4 m=14
